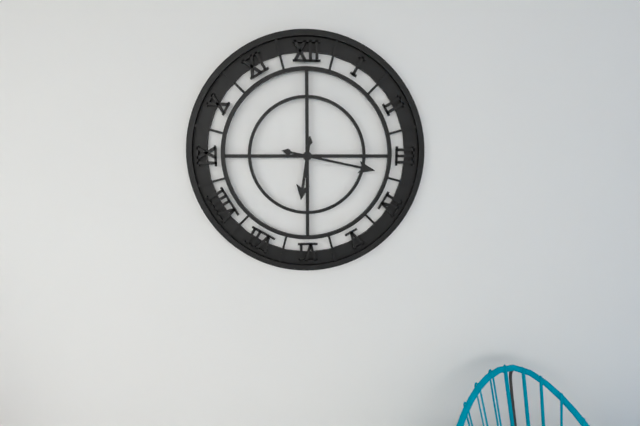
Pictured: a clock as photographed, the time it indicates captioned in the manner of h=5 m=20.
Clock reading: h=6 m=17
